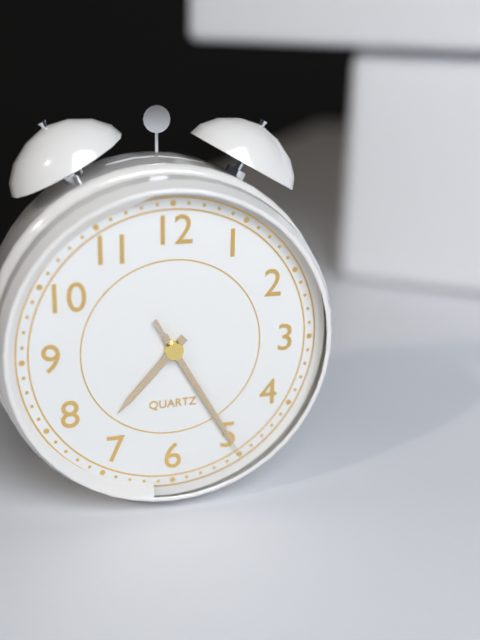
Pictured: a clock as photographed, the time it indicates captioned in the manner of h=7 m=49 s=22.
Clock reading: h=7 m=25 s=25
